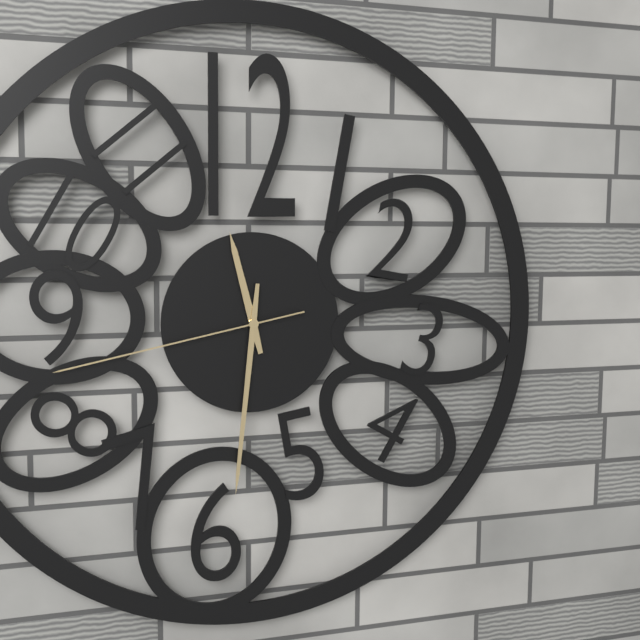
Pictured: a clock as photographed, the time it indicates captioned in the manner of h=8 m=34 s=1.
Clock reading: h=11 m=31 s=43
